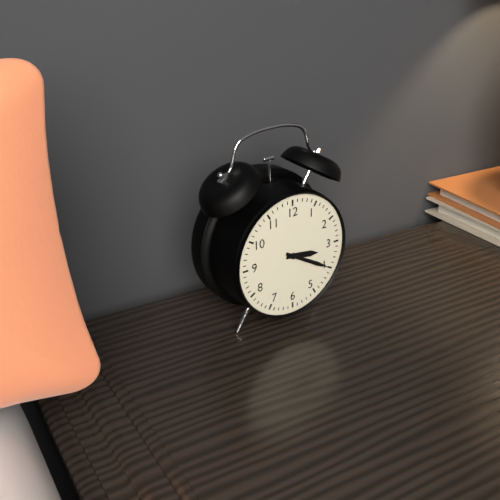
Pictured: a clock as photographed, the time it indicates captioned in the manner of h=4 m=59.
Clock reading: h=3 m=20
